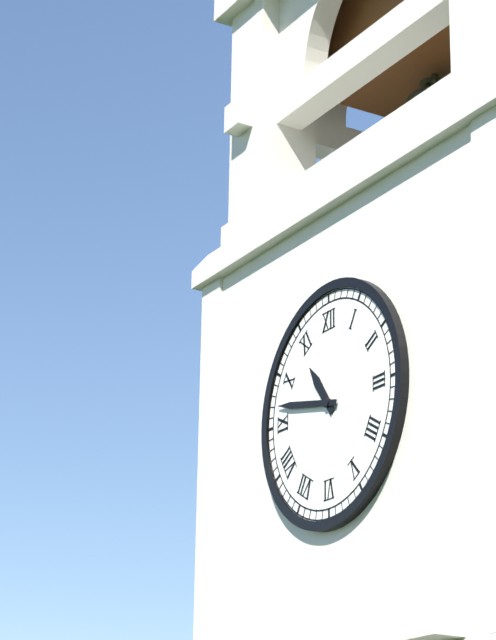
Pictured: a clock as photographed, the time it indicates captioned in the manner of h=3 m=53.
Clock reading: h=10 m=47
